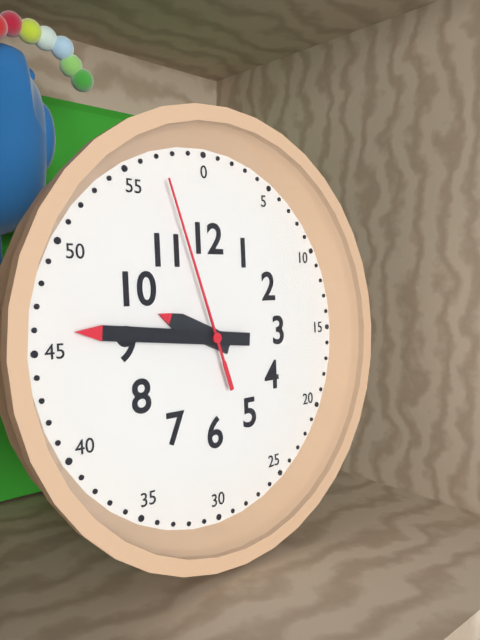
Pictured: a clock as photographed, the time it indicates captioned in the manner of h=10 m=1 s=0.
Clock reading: h=9 m=46 s=57
